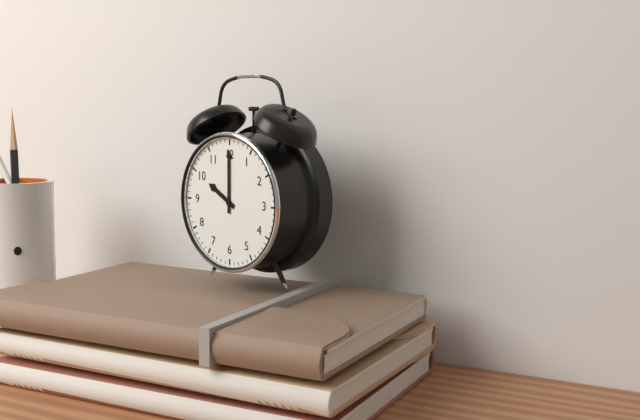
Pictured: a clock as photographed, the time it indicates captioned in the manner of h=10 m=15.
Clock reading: h=10 m=0
